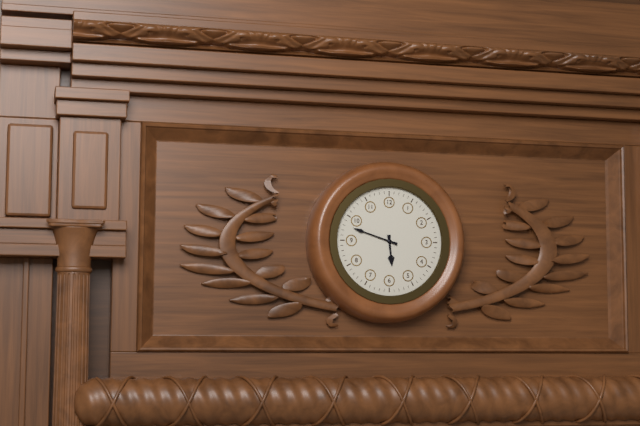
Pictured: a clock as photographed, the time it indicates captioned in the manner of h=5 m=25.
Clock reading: h=5 m=48
